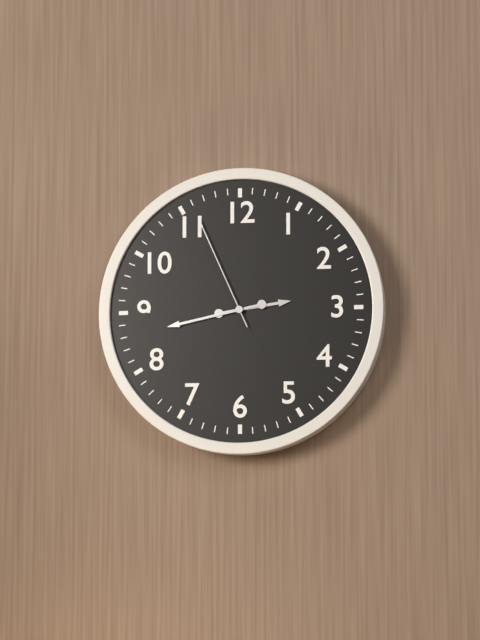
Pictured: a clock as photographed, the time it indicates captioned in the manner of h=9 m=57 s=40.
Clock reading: h=2 m=43 s=56
